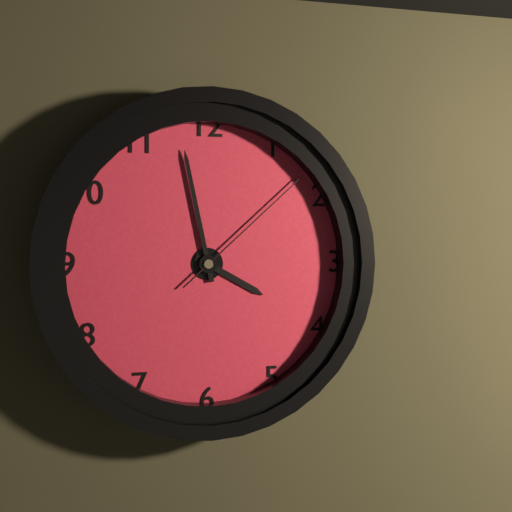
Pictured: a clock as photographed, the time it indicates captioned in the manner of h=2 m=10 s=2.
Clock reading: h=3 m=58 s=8
